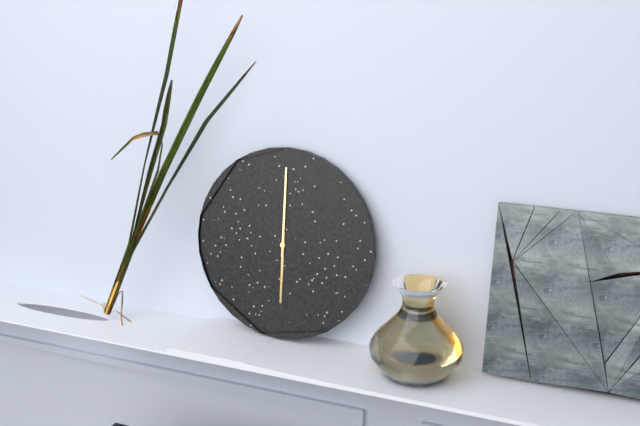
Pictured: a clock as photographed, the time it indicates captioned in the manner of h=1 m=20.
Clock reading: h=6 m=0
